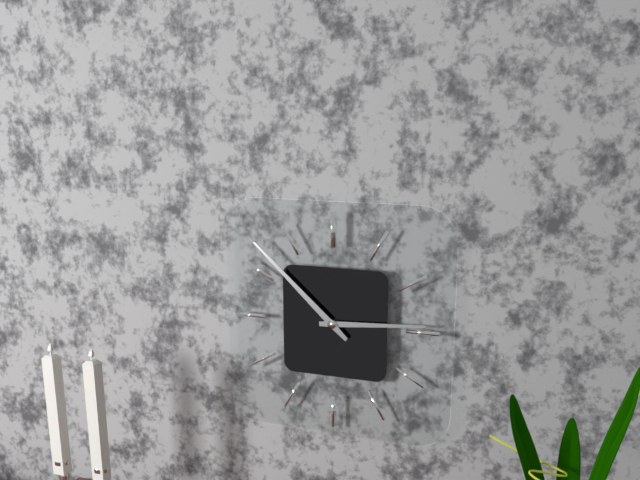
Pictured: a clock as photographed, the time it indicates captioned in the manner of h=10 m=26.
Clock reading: h=2 m=52
